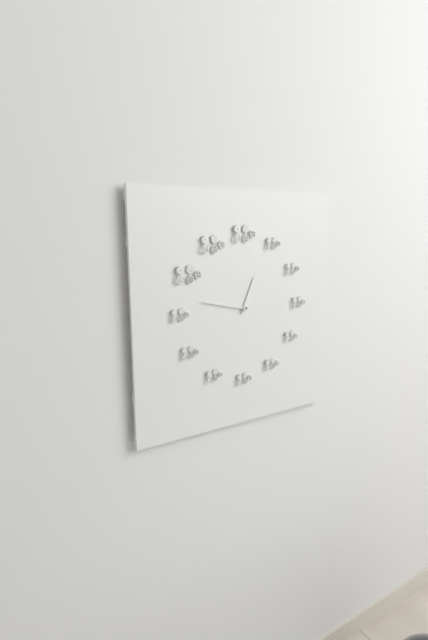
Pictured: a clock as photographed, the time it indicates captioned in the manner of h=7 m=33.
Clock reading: h=12 m=47
